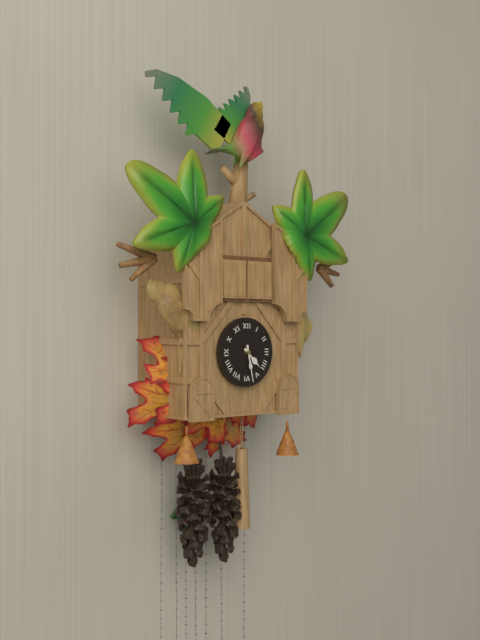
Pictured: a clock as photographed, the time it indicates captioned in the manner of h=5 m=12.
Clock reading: h=4 m=28
